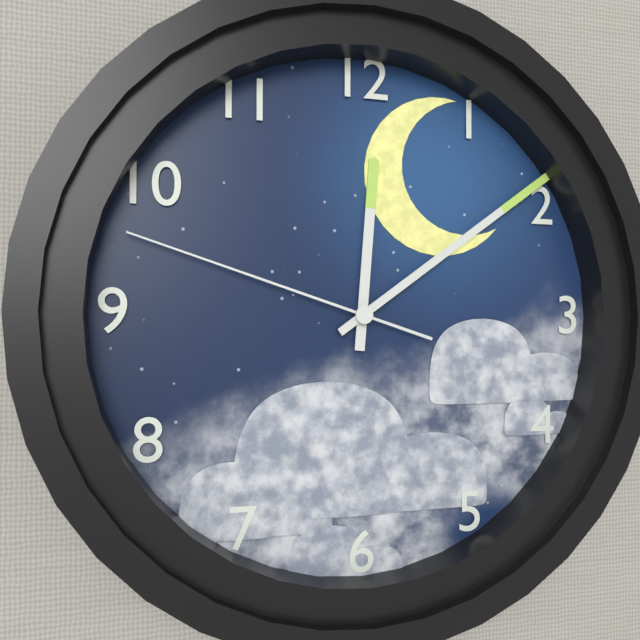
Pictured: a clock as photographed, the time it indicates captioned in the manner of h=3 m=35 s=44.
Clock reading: h=12 m=9 s=48
